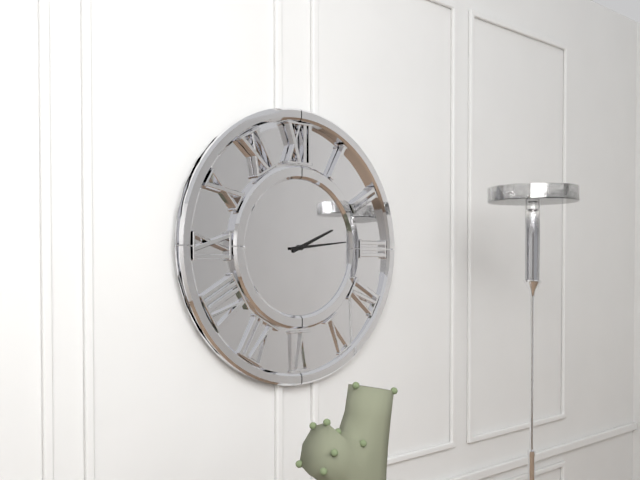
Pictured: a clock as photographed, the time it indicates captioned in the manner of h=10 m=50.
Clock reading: h=2 m=14
